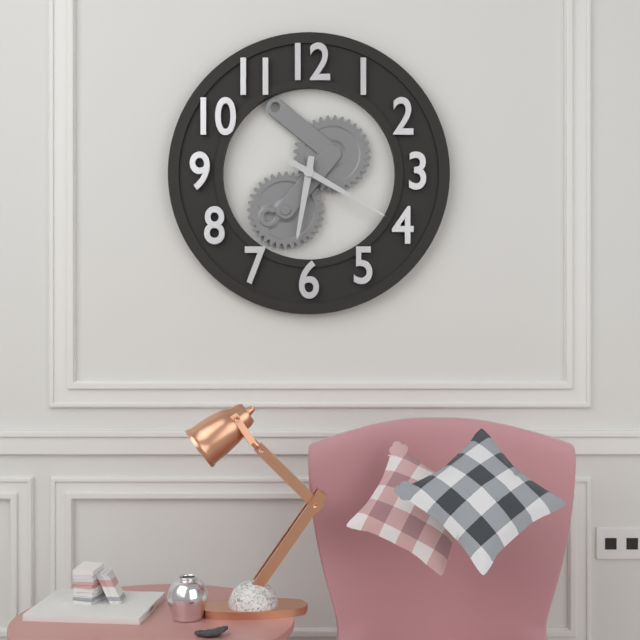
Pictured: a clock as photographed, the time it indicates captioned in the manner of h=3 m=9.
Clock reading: h=6 m=20
